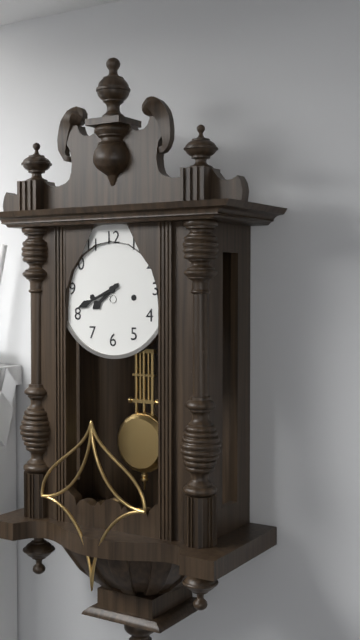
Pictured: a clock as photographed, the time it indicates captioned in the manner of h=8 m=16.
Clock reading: h=7 m=41
